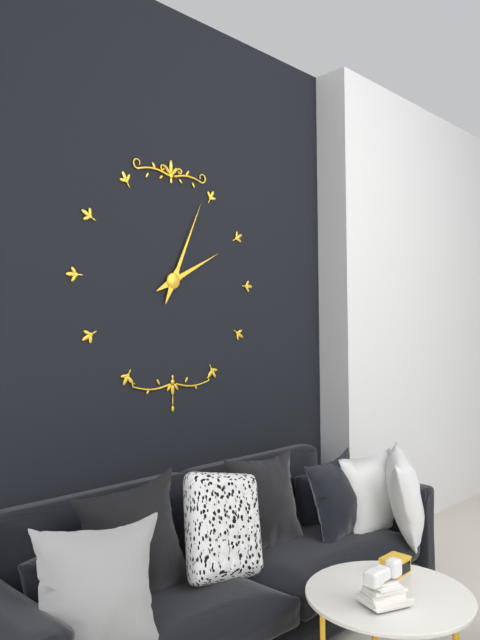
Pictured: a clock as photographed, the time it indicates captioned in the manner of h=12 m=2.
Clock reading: h=2 m=4
